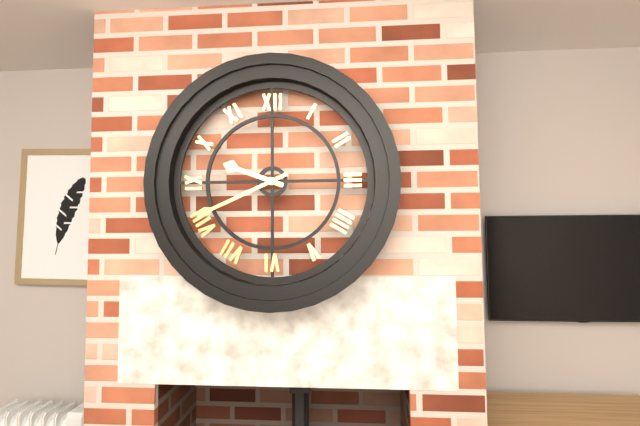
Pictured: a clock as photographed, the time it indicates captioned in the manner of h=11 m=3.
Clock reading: h=9 m=41
